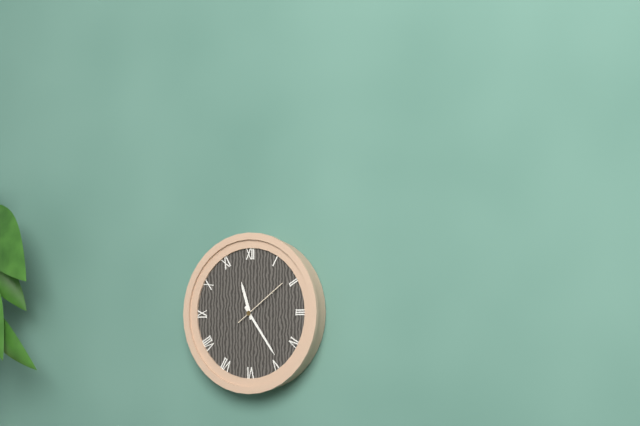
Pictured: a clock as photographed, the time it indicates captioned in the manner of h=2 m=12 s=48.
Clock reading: h=11 m=24 s=9
